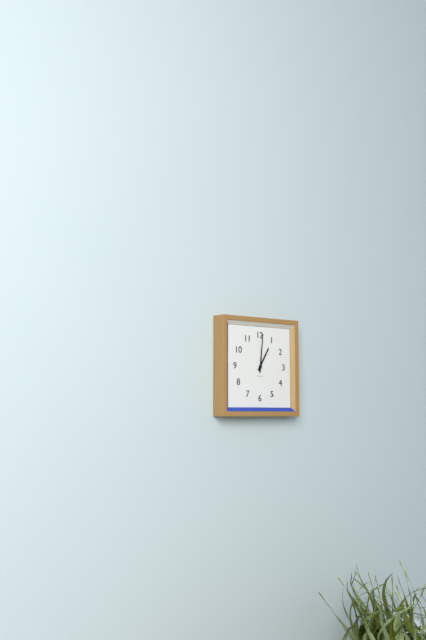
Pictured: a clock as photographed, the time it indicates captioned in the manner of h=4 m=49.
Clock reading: h=1 m=1
